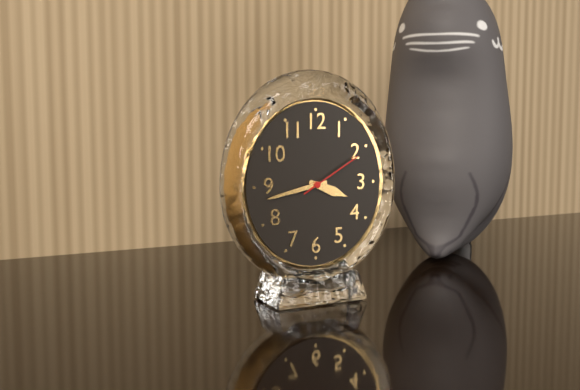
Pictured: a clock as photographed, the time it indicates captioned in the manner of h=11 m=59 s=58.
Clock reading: h=3 m=43 s=10
